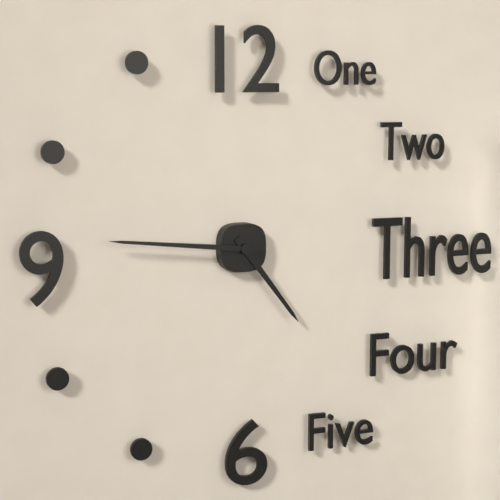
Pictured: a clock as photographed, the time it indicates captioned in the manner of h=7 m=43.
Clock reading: h=4 m=46
